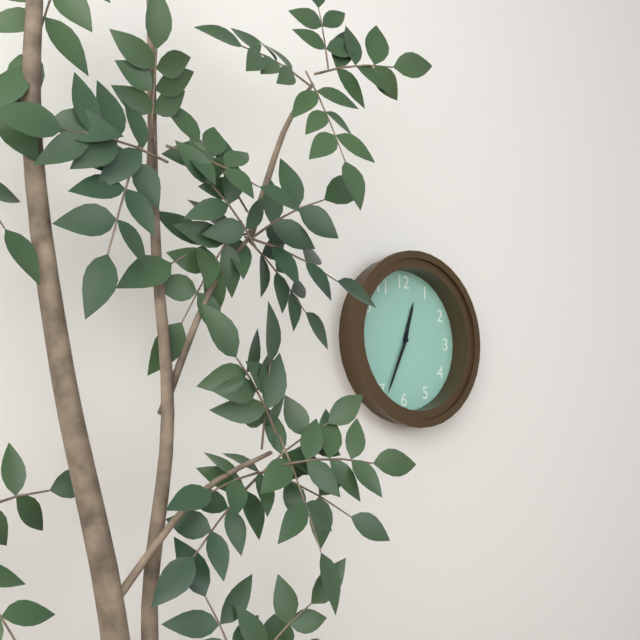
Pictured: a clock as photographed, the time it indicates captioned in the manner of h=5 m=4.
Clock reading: h=12 m=34
